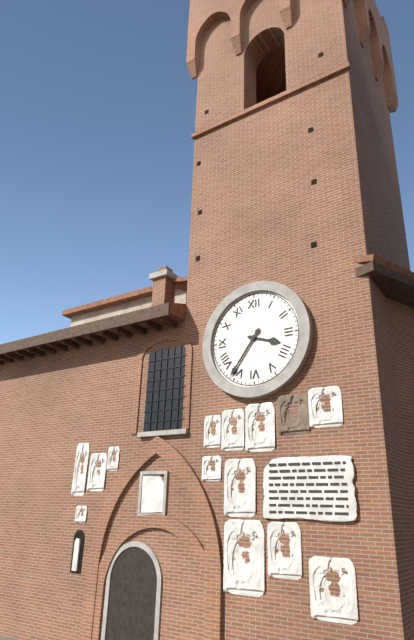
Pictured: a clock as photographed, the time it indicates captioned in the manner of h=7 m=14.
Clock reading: h=3 m=36
